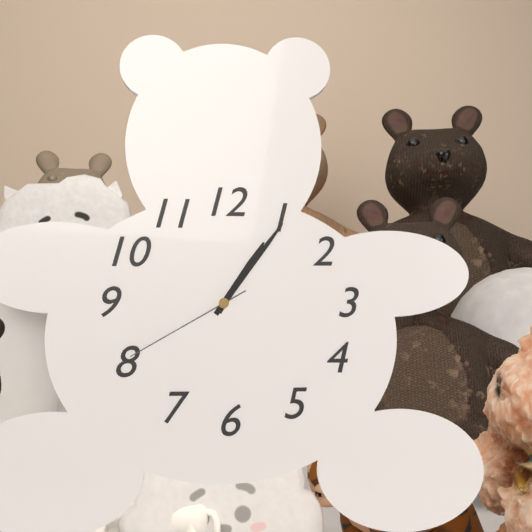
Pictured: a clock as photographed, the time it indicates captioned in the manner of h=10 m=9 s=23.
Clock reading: h=1 m=6 s=40
